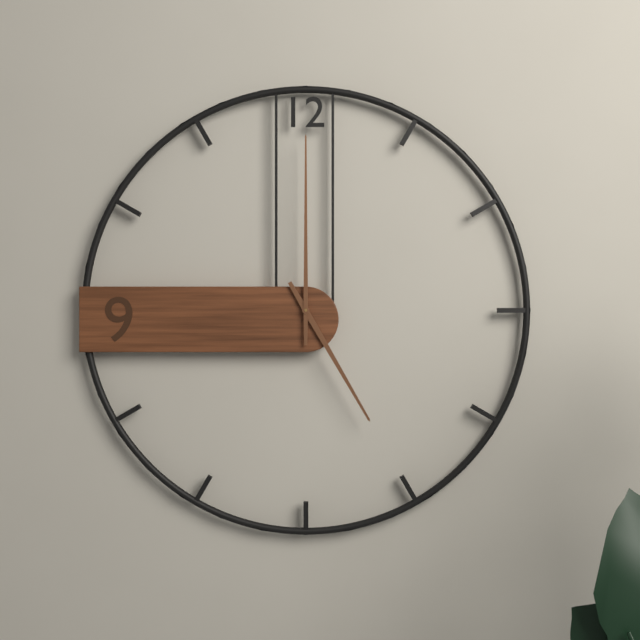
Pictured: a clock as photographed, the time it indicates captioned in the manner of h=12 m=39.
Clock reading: h=5 m=0
